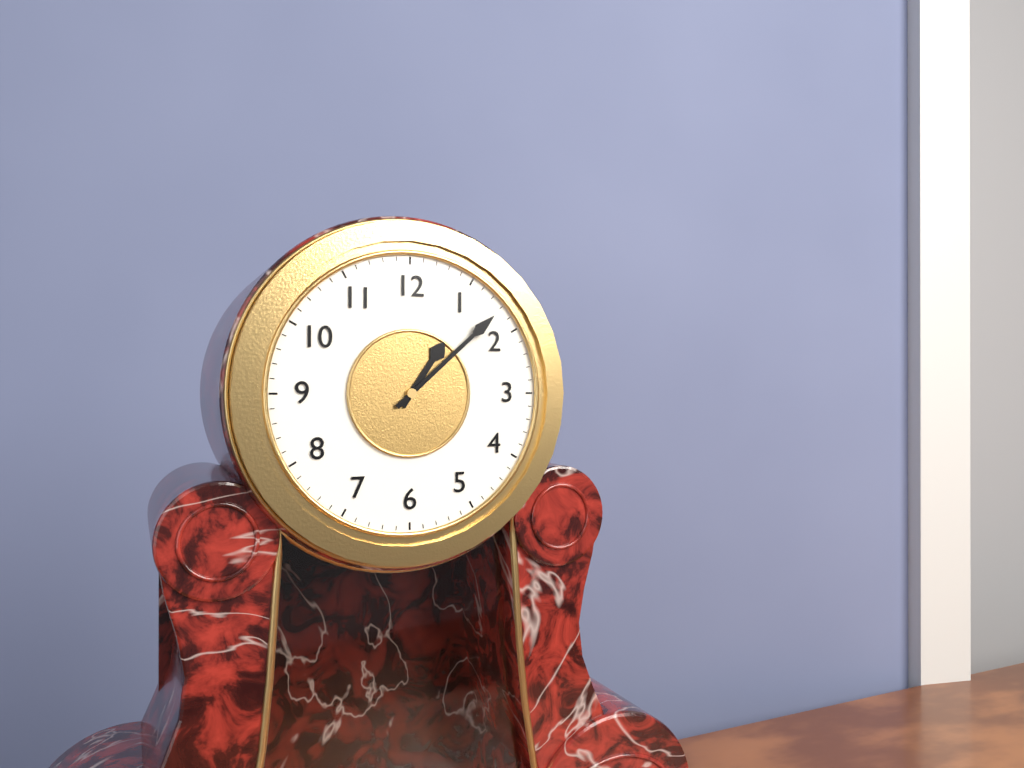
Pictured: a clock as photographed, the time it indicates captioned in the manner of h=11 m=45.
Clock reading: h=1 m=8
